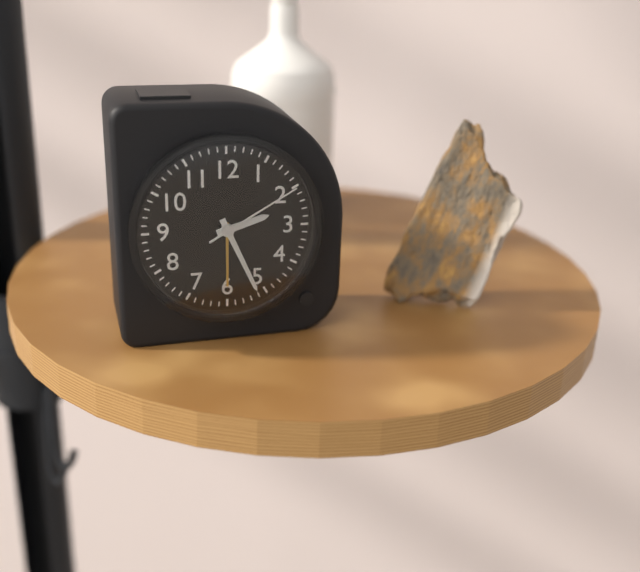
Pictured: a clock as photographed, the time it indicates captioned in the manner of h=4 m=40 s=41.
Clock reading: h=2 m=26 s=10
